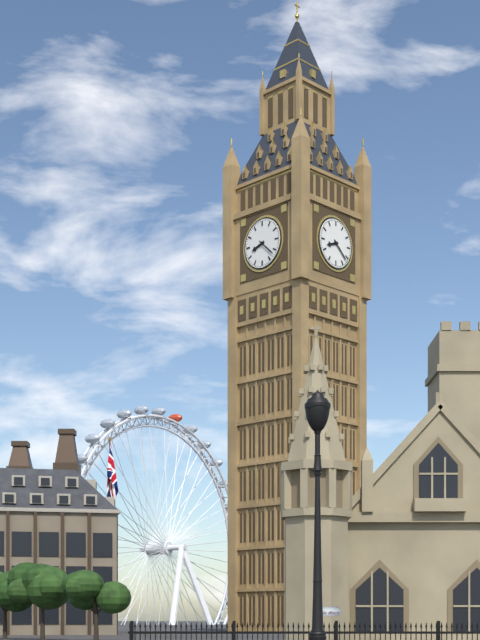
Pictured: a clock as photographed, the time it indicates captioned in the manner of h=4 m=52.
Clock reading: h=8 m=22
